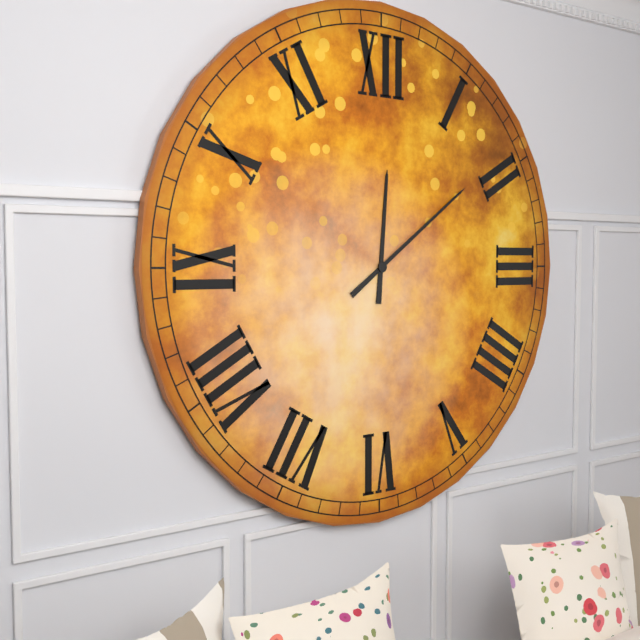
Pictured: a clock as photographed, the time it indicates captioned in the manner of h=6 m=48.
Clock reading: h=12 m=9
